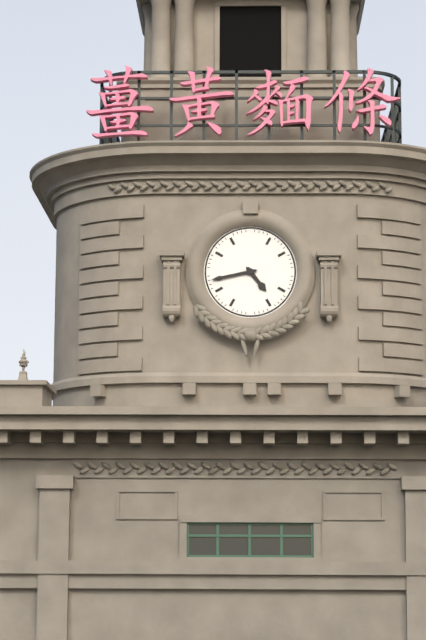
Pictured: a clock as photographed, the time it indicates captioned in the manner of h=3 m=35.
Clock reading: h=4 m=43
